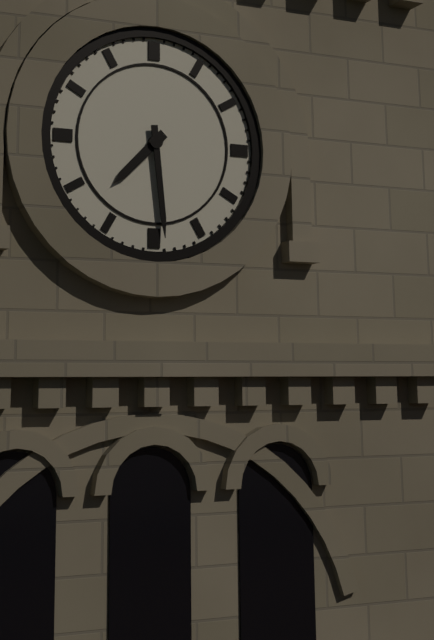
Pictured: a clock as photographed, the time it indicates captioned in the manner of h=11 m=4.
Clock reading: h=7 m=29
